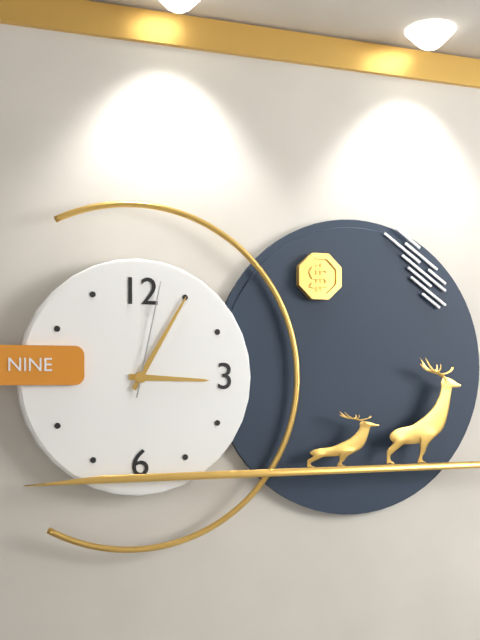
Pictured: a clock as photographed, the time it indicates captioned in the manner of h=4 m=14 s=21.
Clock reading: h=3 m=5 s=2
